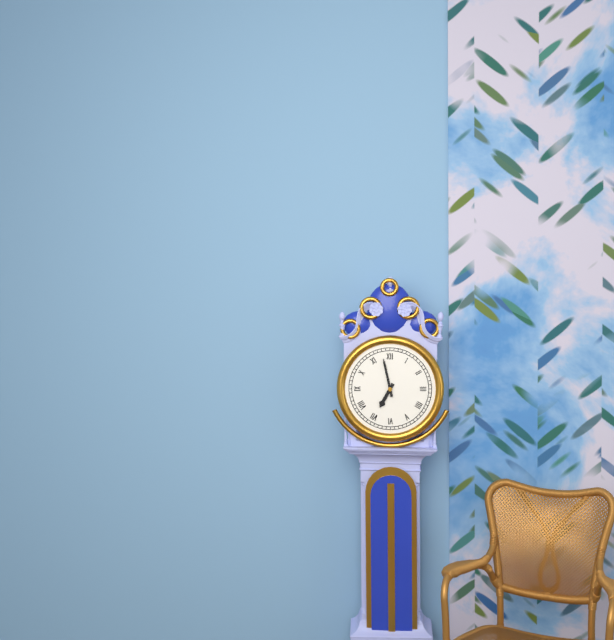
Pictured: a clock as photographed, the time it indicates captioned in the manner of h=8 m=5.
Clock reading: h=6 m=58
